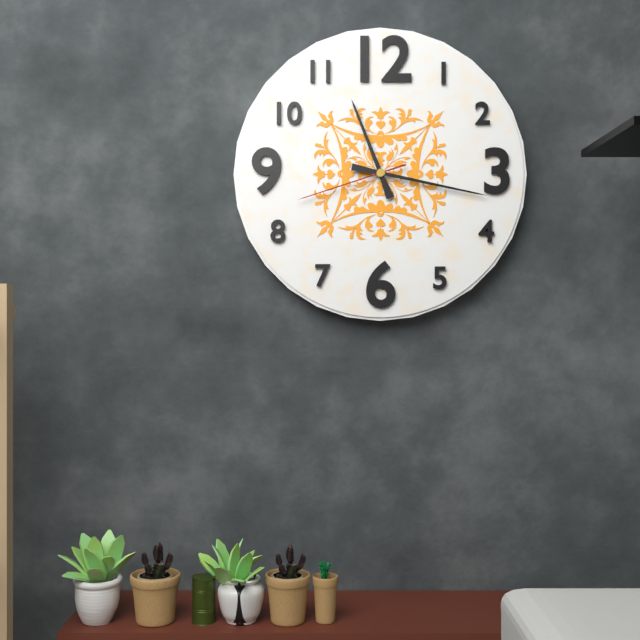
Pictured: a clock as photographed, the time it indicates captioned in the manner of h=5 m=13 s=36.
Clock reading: h=11 m=17 s=42
